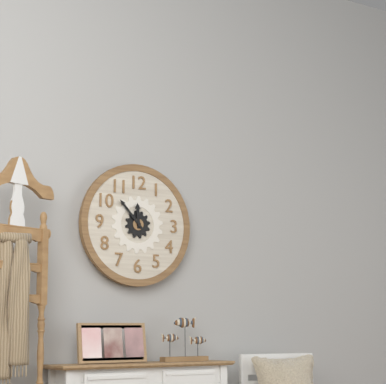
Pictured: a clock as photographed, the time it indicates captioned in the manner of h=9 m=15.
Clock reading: h=11 m=53
